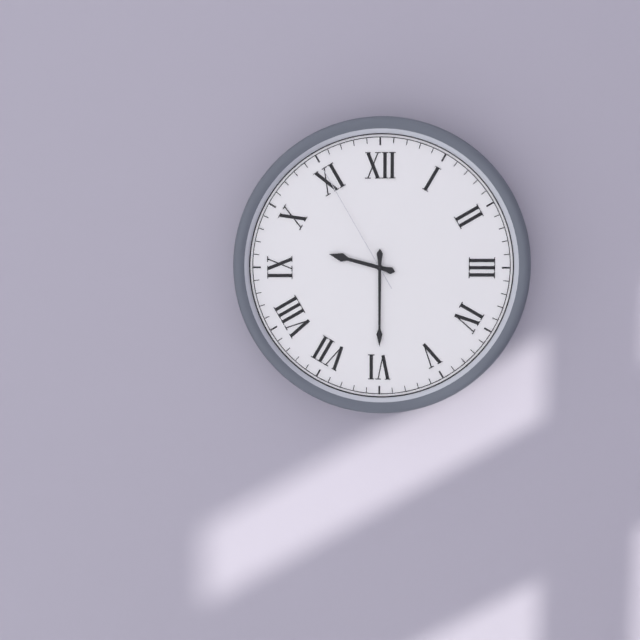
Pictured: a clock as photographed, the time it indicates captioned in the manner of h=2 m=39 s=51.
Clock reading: h=9 m=30 s=55
